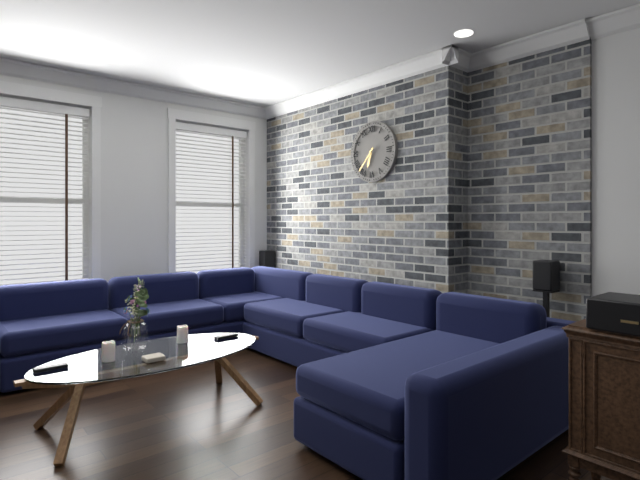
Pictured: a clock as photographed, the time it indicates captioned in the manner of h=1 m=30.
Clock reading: h=6 m=37
